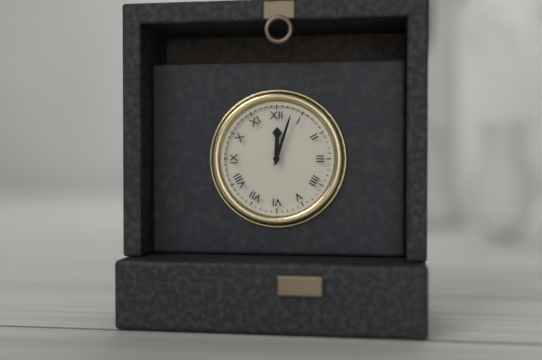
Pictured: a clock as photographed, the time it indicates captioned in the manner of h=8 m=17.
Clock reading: h=12 m=3
